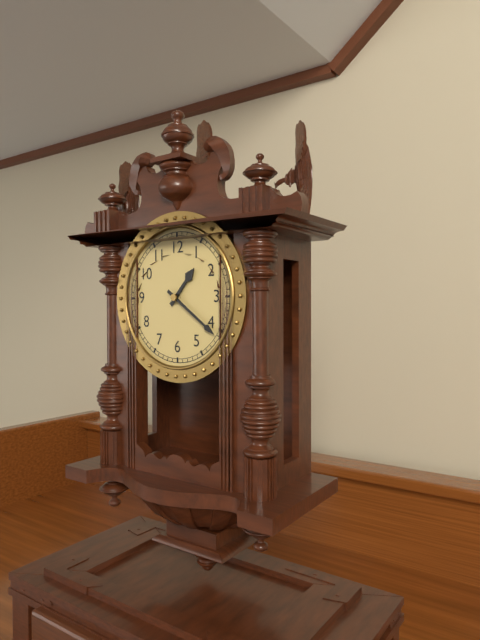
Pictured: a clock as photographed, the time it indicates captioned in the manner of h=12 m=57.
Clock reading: h=1 m=21
